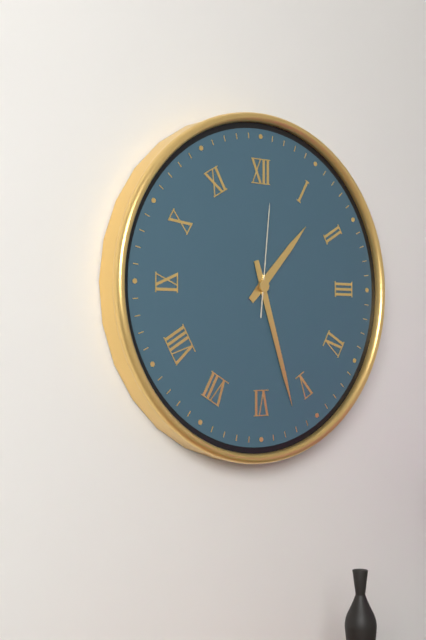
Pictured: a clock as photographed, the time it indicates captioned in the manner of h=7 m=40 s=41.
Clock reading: h=1 m=27 s=1
